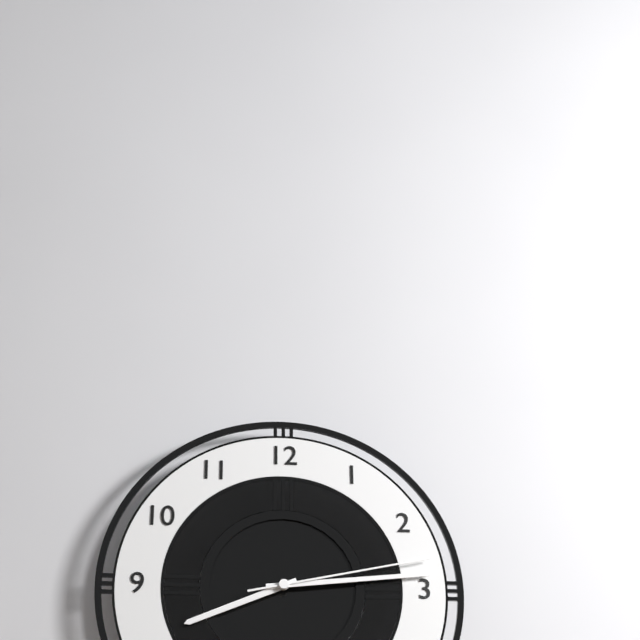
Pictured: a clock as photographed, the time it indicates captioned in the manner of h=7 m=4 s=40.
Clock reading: h=8 m=14 s=13
